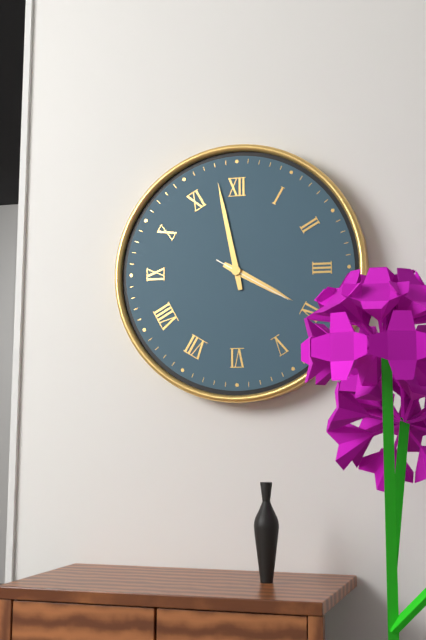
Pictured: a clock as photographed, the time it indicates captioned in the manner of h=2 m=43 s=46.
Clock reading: h=3 m=58 s=20
